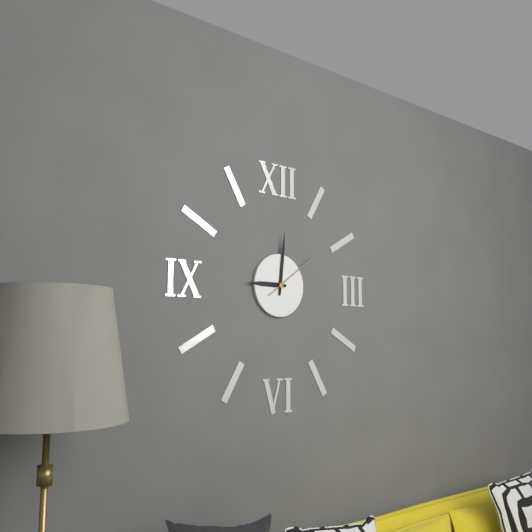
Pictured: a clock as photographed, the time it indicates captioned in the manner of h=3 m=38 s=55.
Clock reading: h=9 m=1 s=9
